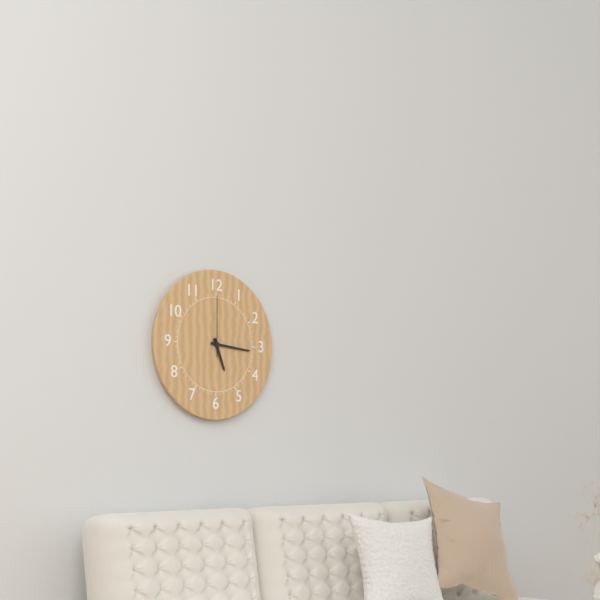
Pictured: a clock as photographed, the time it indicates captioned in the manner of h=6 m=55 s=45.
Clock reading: h=5 m=16 s=0
